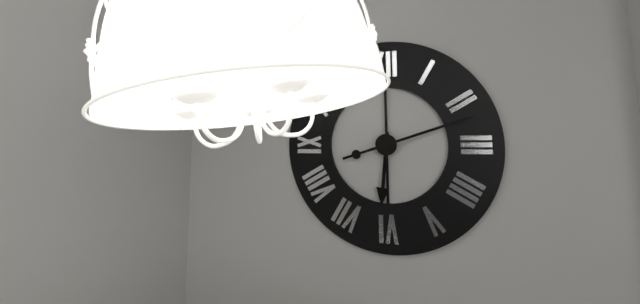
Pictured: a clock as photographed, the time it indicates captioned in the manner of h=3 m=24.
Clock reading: h=6 m=12
